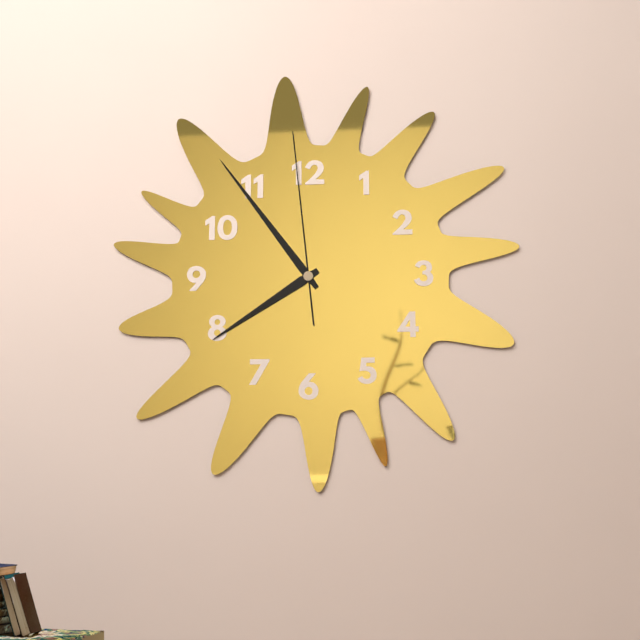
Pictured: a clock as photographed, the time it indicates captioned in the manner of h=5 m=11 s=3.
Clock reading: h=7 m=54 s=59
